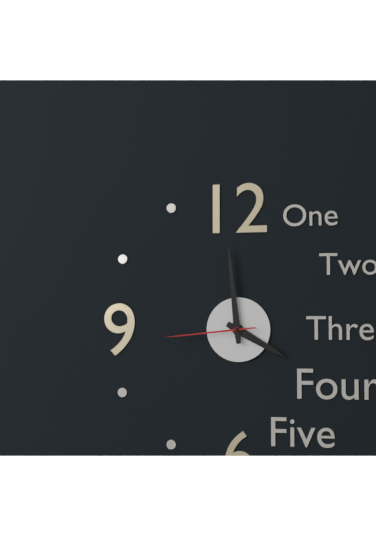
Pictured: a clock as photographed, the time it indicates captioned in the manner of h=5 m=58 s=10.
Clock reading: h=3 m=59 s=44
